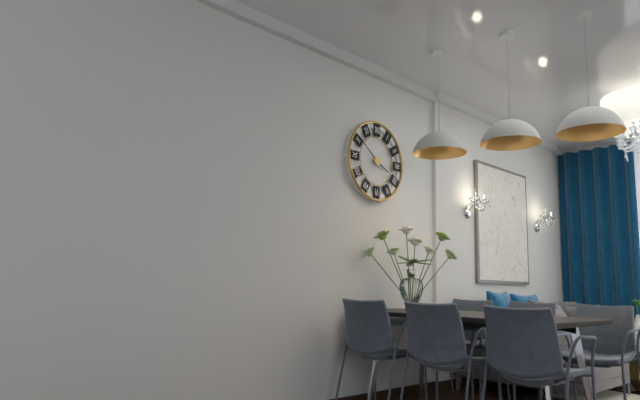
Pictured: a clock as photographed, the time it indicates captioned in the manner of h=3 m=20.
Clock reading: h=3 m=51
